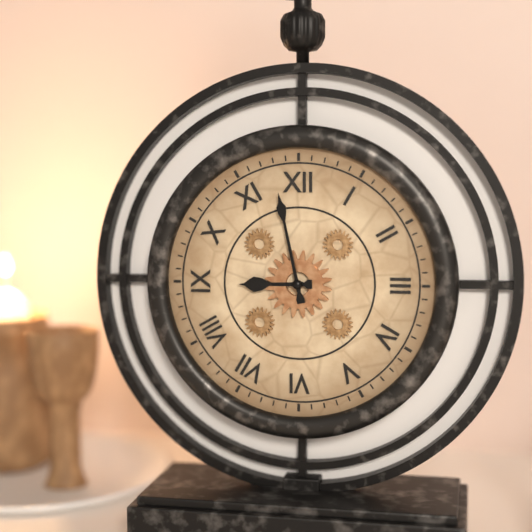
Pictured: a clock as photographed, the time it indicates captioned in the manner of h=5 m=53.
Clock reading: h=8 m=58
